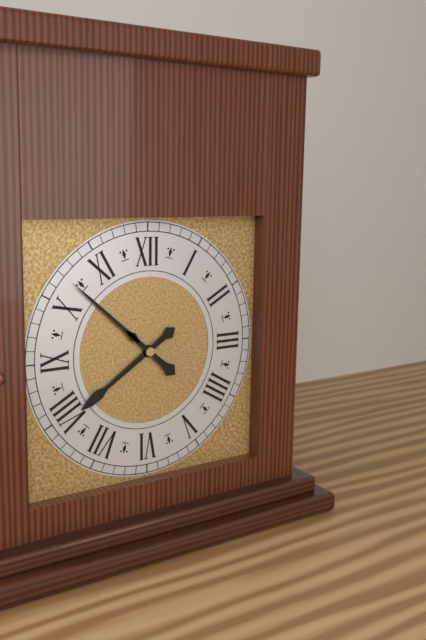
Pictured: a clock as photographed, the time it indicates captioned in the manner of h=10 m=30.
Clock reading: h=7 m=52
